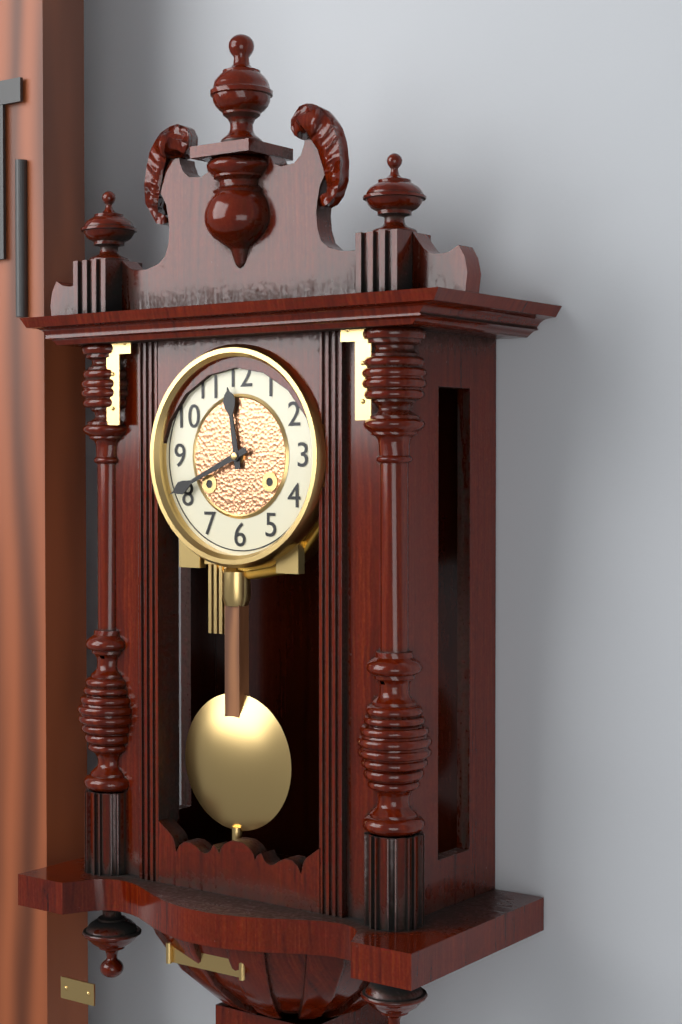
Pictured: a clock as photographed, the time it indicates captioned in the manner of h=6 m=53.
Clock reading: h=11 m=41
